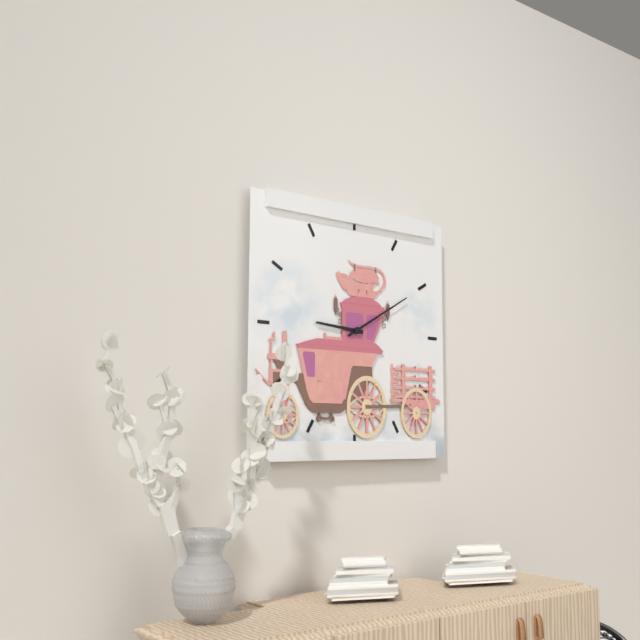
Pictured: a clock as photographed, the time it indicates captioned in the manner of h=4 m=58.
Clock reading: h=9 m=10
